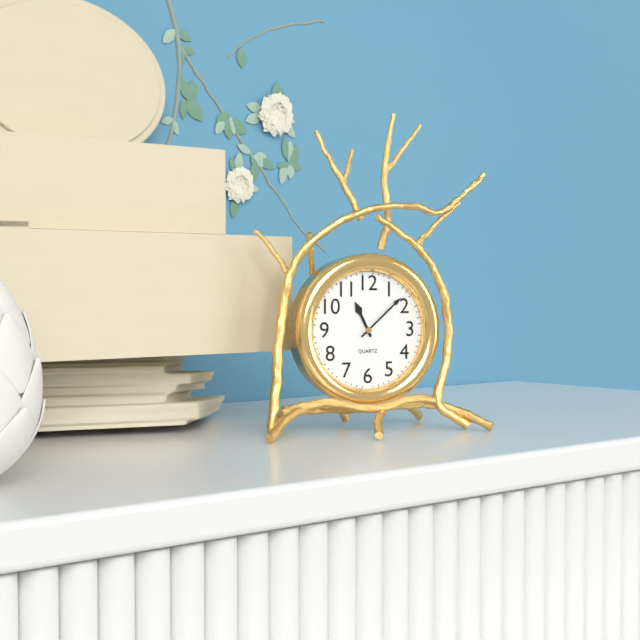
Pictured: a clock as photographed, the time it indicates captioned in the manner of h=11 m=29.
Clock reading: h=11 m=8
